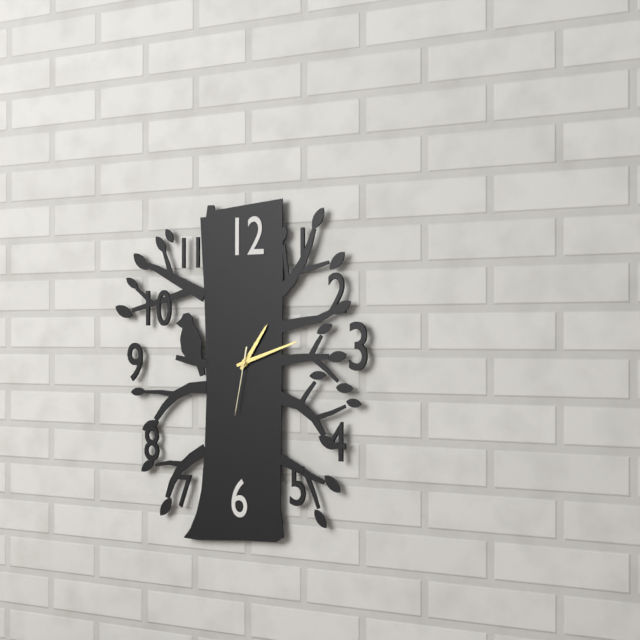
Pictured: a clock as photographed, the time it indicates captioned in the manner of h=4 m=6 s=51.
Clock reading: h=1 m=12 s=32
